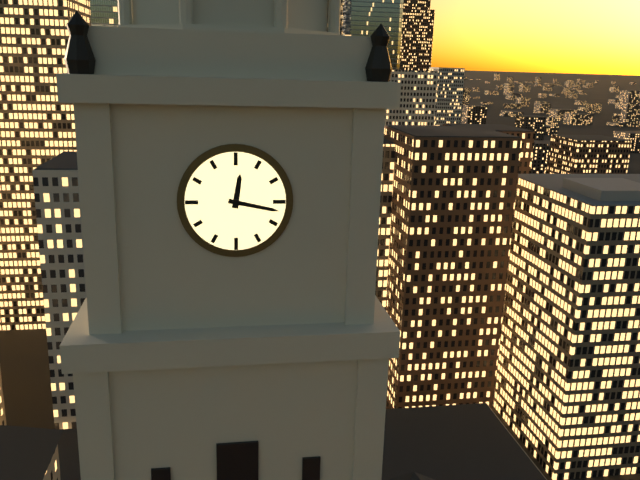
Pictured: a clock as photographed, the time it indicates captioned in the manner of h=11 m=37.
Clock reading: h=12 m=17
